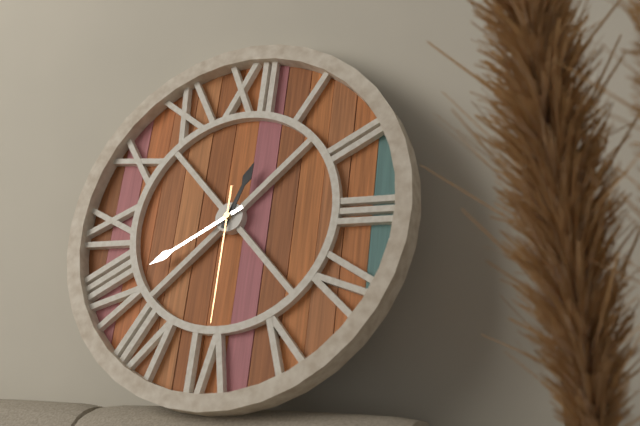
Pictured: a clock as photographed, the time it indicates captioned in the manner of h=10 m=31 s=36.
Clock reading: h=12 m=40 s=30
